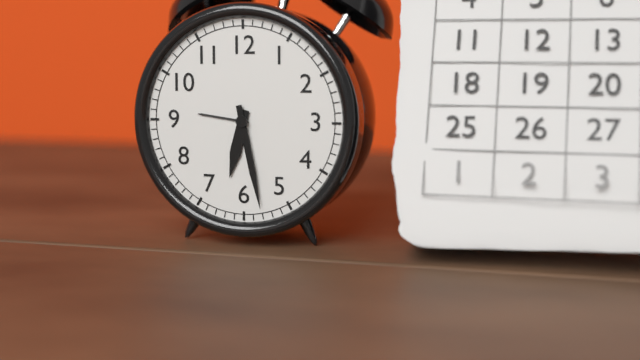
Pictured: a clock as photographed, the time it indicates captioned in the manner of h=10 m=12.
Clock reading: h=6 m=28
